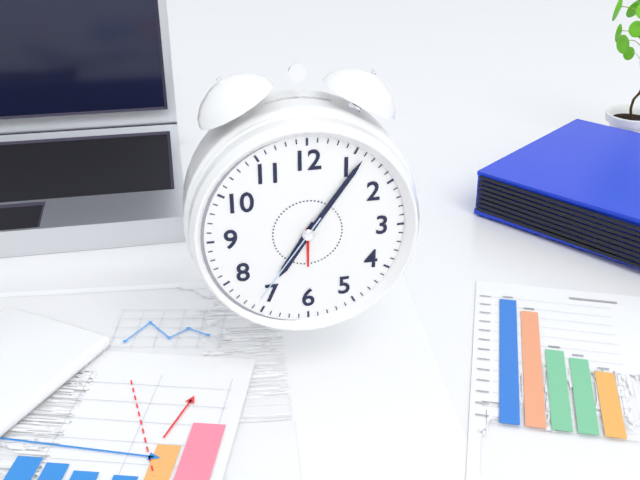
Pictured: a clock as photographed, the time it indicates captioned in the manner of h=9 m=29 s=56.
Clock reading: h=7 m=6 s=36
